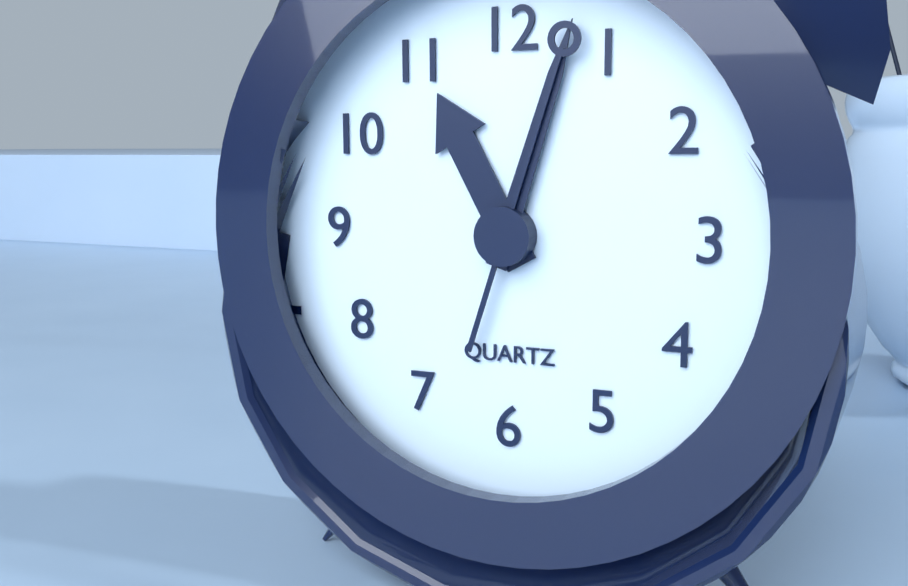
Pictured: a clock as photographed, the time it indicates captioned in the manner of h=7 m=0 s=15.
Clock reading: h=11 m=3 s=3
